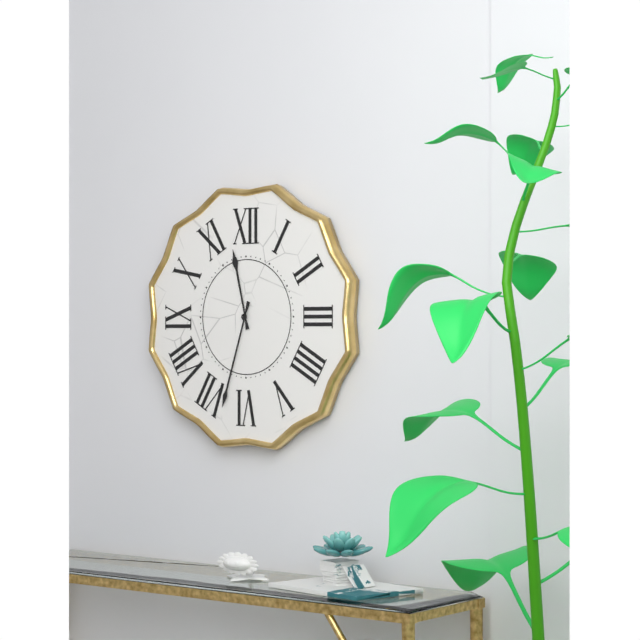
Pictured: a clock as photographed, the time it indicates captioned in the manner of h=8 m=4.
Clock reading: h=11 m=33
